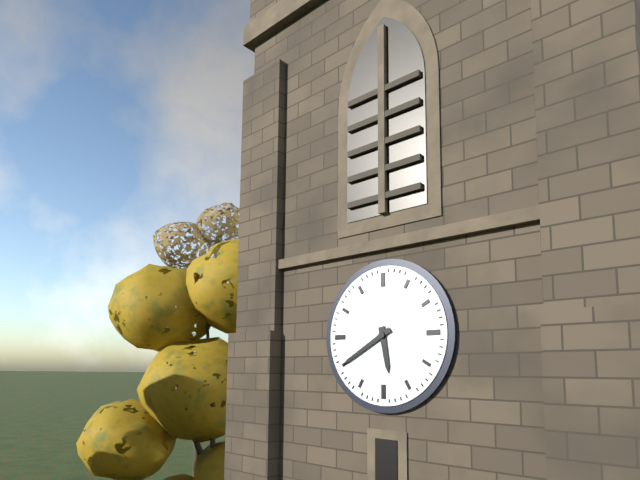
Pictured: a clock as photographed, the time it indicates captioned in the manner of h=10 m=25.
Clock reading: h=5 m=40
